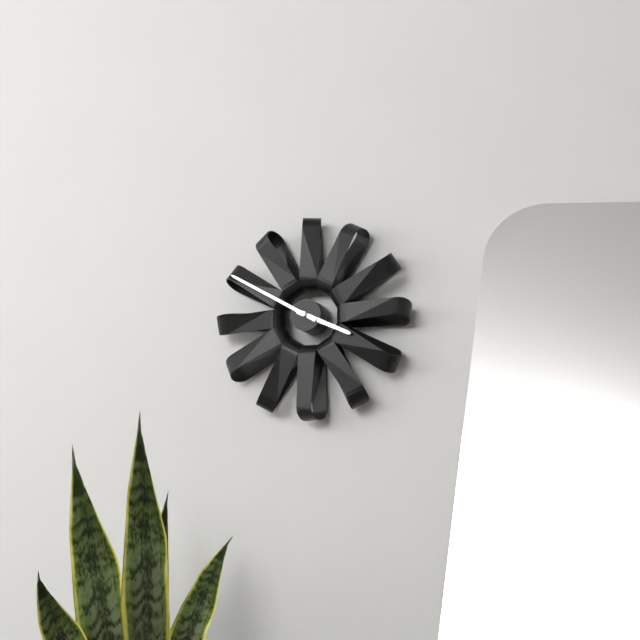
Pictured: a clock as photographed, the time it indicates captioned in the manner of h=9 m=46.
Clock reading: h=3 m=50
